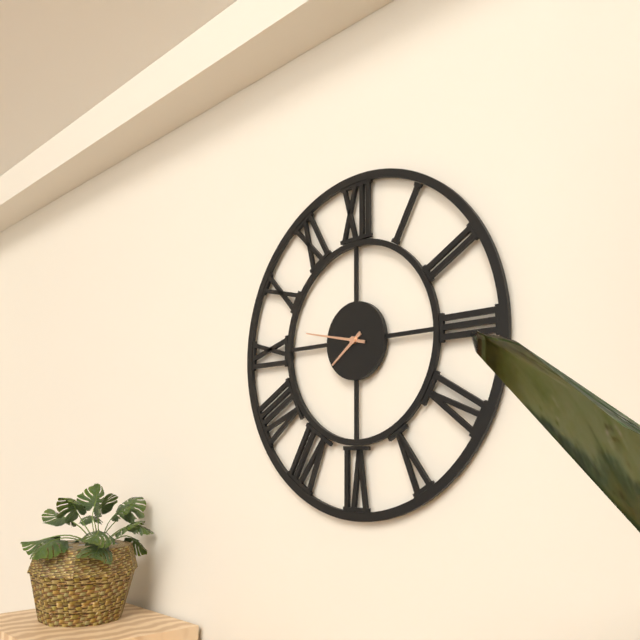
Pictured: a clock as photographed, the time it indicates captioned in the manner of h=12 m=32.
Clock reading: h=7 m=47
